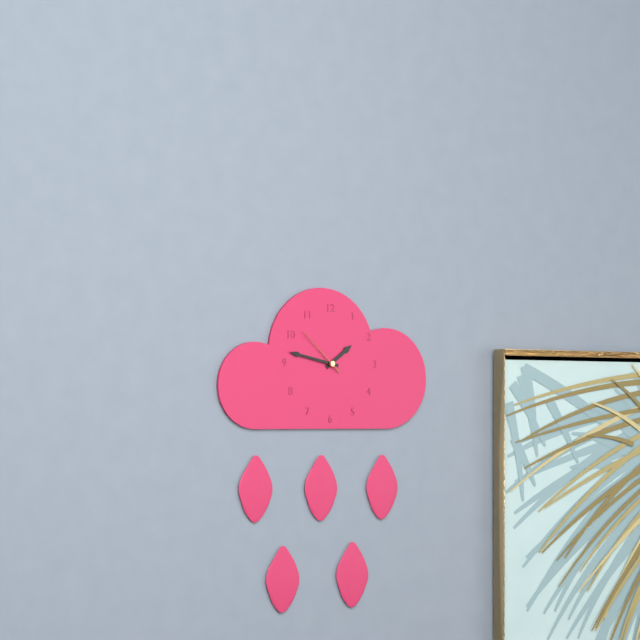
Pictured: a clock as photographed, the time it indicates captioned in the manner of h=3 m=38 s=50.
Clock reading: h=1 m=47 s=52
